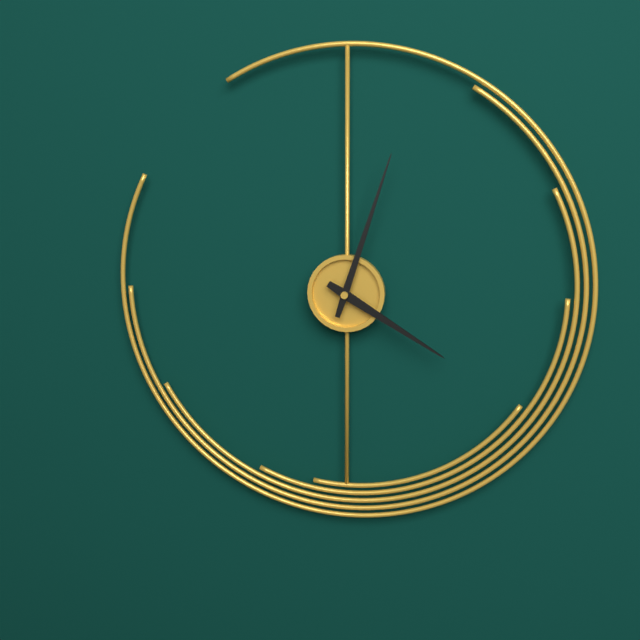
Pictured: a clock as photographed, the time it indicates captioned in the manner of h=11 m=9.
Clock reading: h=4 m=3
